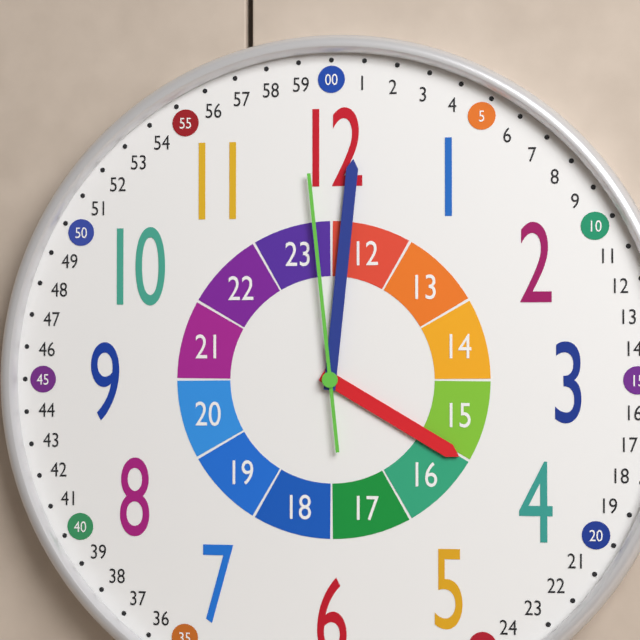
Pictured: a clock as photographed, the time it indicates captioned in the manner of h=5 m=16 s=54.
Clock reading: h=4 m=1 s=59
